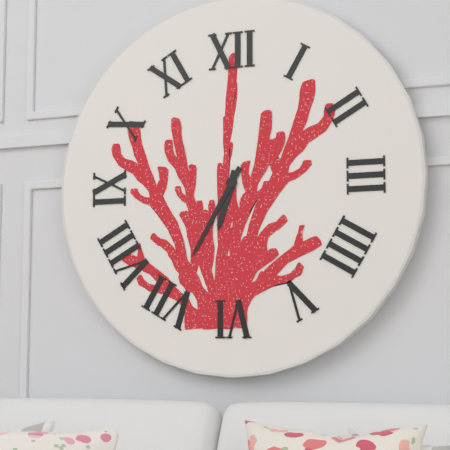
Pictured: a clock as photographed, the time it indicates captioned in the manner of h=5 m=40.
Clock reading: h=6 m=35
